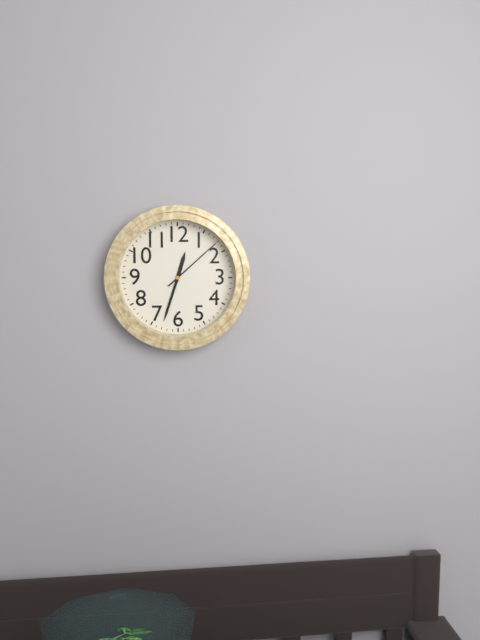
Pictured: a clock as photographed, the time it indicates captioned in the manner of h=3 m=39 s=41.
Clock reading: h=12 m=33 s=8
